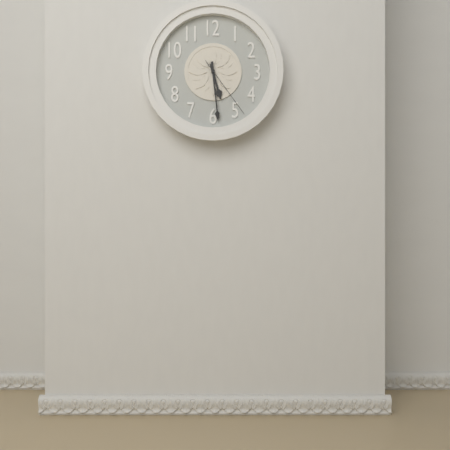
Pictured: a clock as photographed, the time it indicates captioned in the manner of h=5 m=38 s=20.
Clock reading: h=5 m=29 s=24
